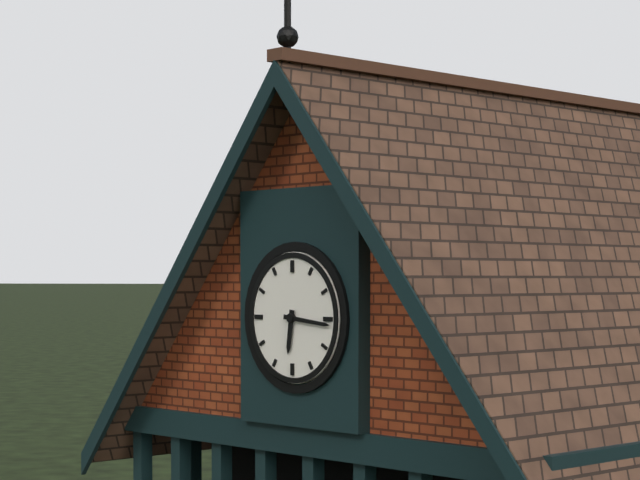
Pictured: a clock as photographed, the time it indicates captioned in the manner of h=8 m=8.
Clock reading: h=6 m=16
